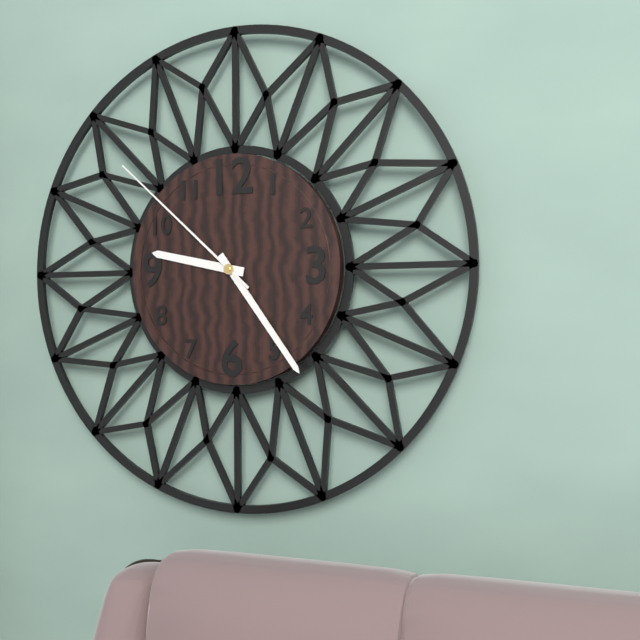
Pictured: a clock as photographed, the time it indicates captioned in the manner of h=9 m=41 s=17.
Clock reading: h=9 m=24 s=52
